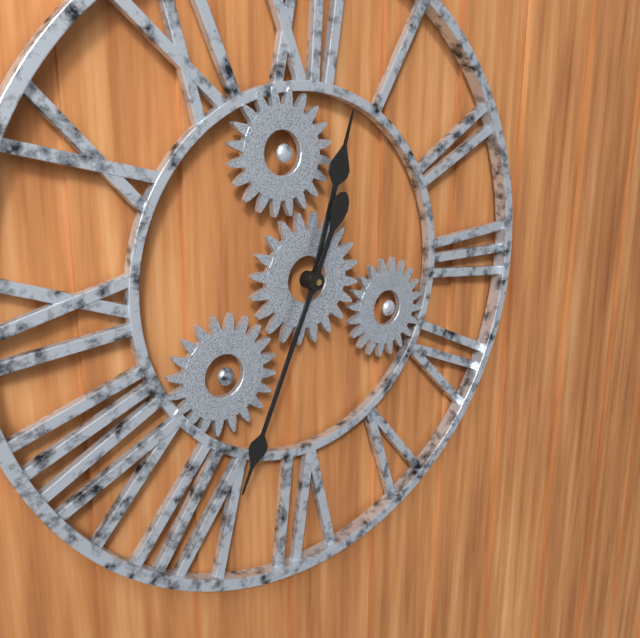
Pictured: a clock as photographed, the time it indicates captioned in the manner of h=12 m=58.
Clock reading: h=12 m=34
